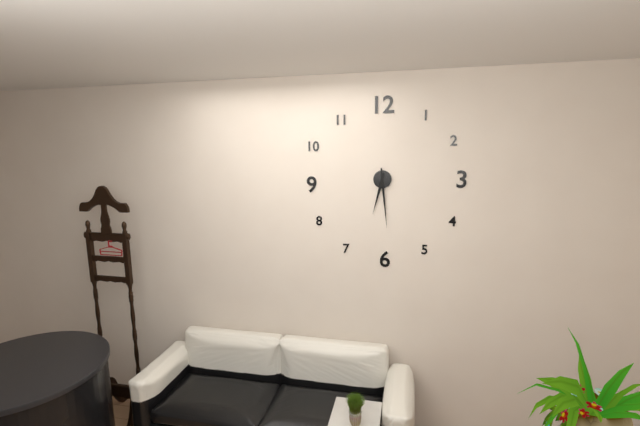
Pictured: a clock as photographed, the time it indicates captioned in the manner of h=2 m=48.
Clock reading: h=6 m=29
